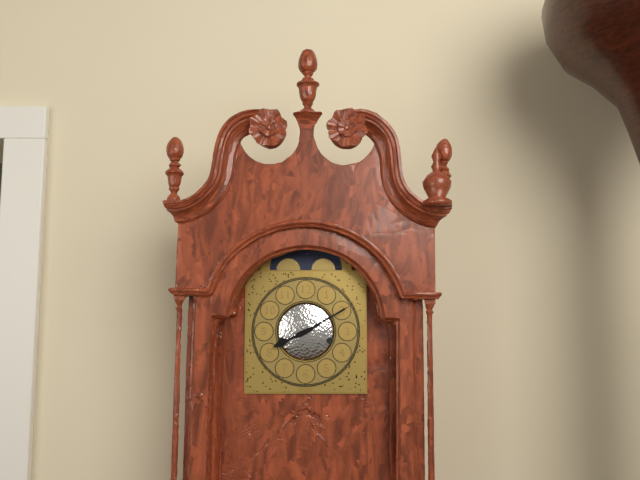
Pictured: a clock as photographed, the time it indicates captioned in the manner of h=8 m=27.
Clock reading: h=8 m=10
